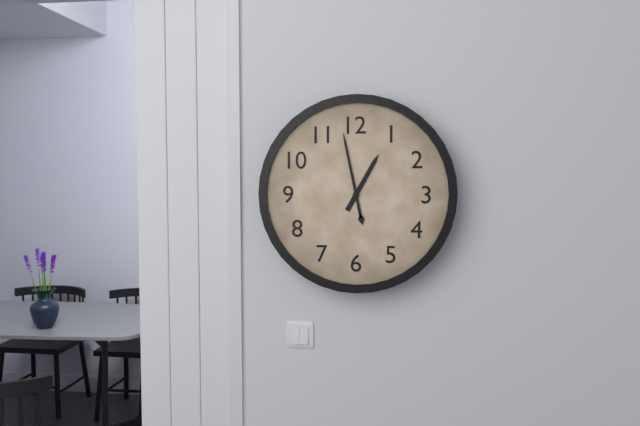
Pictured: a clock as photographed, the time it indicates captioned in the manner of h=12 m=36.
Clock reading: h=12 m=58
